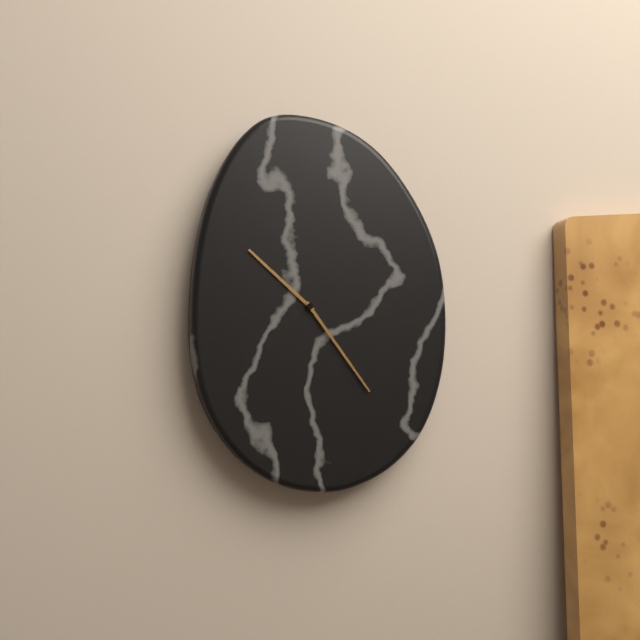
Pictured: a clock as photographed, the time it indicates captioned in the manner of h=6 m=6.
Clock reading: h=10 m=24
